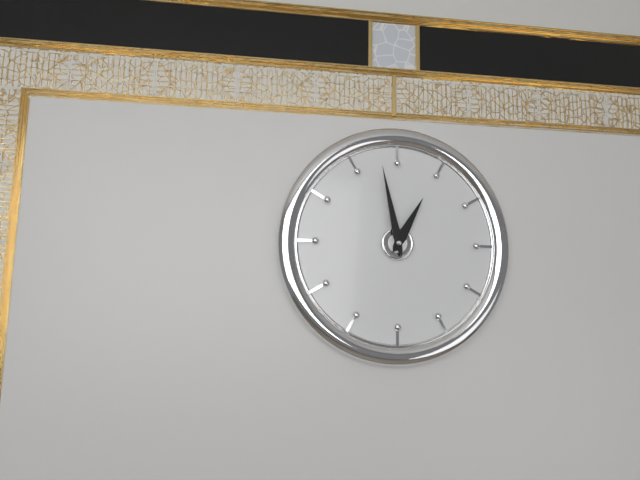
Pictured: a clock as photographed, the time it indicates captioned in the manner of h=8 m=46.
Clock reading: h=12 m=58
